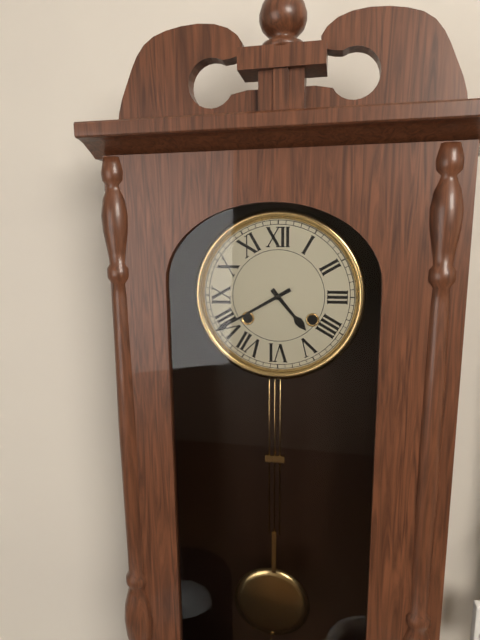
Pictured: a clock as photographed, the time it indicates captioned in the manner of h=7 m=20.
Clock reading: h=4 m=40
